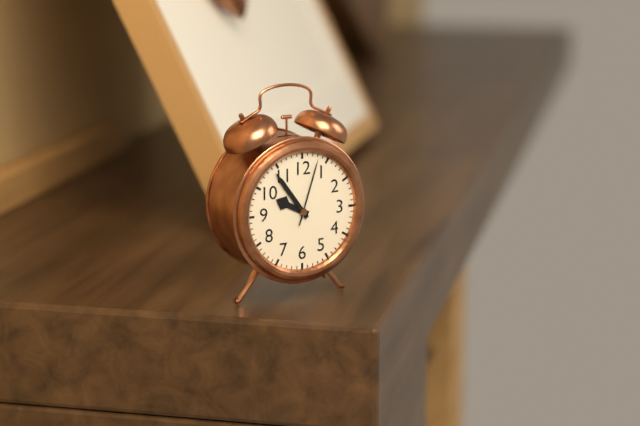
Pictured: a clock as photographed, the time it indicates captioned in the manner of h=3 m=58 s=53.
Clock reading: h=9 m=54 s=3
